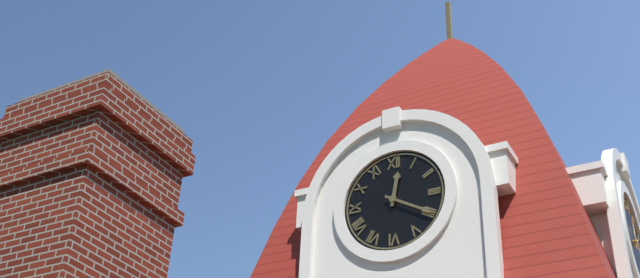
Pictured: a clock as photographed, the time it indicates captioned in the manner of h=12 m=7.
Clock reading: h=12 m=20
